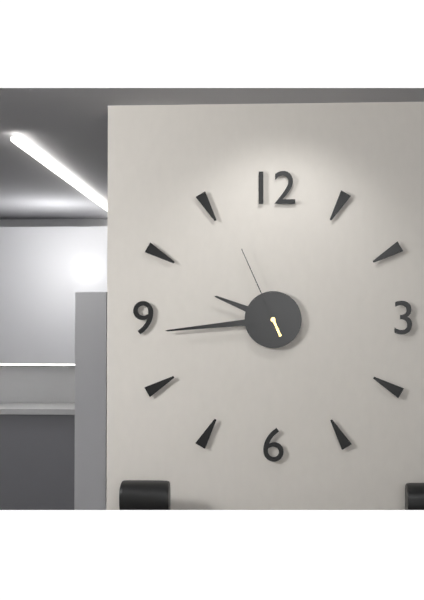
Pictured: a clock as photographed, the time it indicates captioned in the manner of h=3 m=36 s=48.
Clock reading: h=9 m=44 s=56
